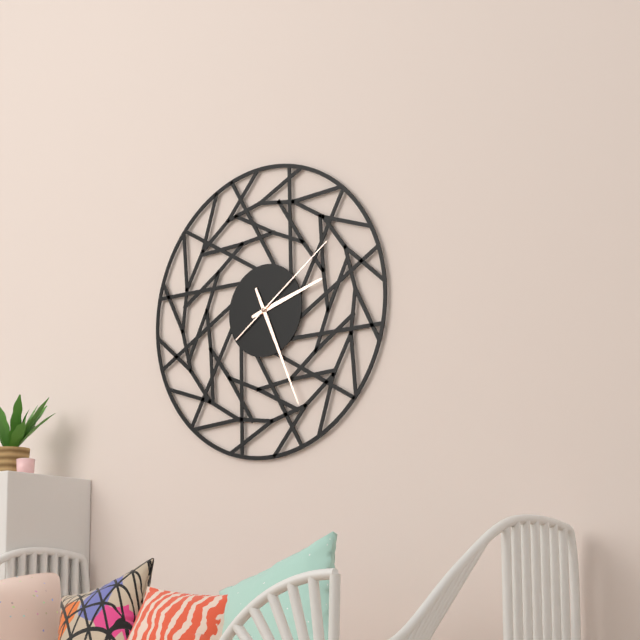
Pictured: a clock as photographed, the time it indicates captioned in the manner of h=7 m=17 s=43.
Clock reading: h=2 m=26 s=9
